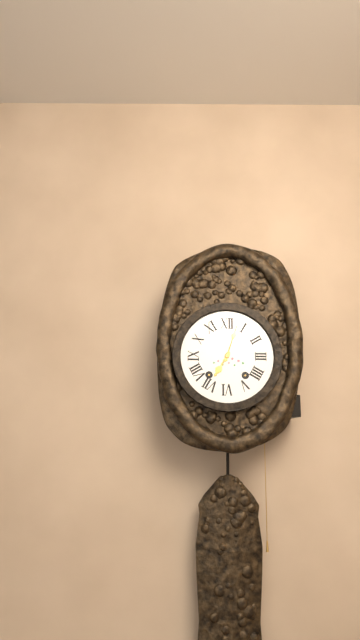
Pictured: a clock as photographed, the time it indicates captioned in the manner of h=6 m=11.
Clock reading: h=7 m=3
